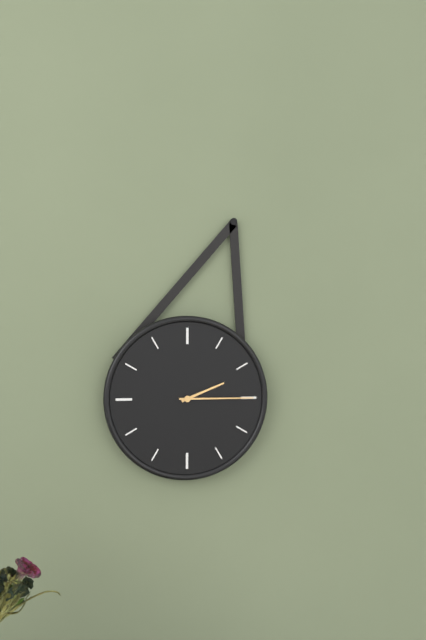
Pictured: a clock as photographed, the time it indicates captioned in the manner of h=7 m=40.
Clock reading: h=2 m=15
